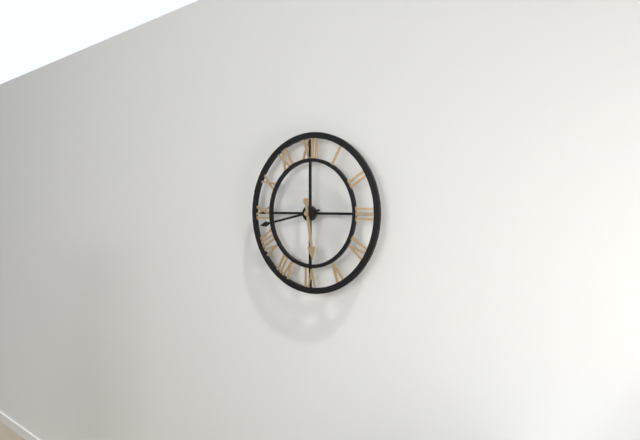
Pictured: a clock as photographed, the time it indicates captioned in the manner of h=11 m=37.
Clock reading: h=5 m=43
